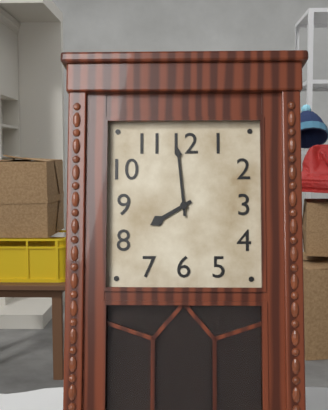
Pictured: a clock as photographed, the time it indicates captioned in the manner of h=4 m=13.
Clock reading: h=7 m=59
